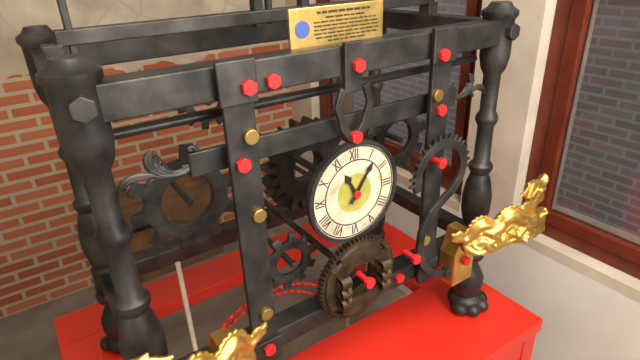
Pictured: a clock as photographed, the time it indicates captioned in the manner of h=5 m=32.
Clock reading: h=11 m=6
